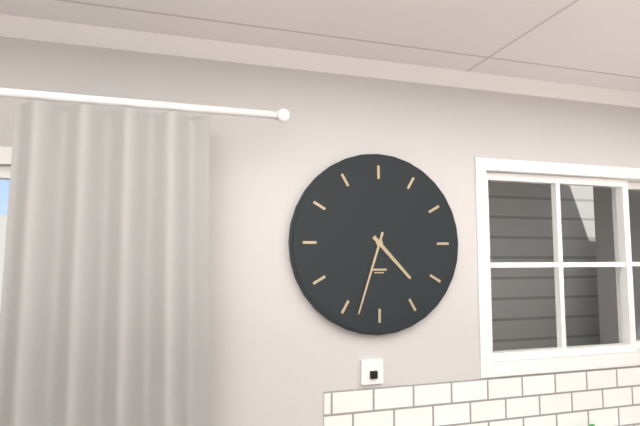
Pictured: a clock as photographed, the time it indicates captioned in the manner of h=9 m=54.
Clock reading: h=4 m=33
